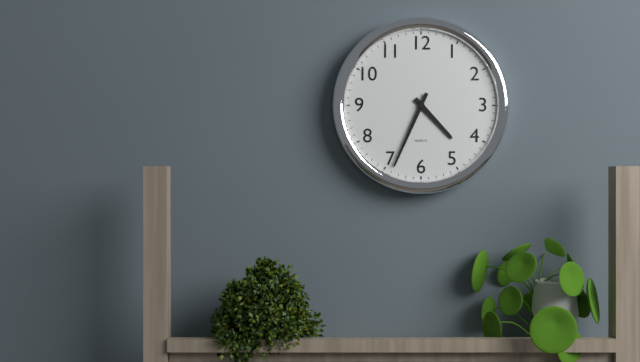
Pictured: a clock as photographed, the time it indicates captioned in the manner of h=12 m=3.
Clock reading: h=4 m=34
